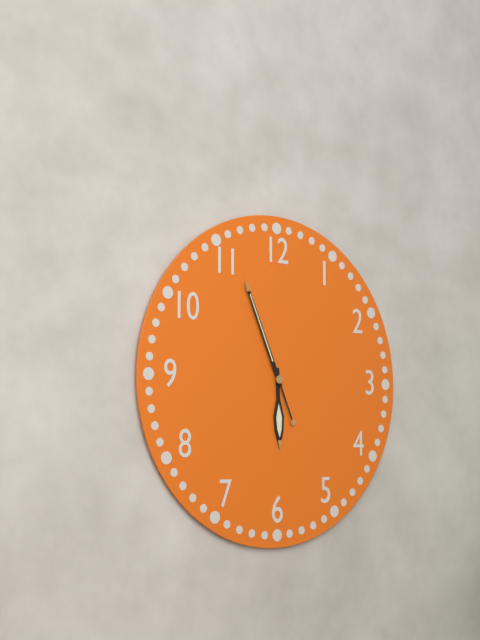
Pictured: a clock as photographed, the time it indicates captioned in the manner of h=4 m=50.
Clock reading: h=5 m=56
